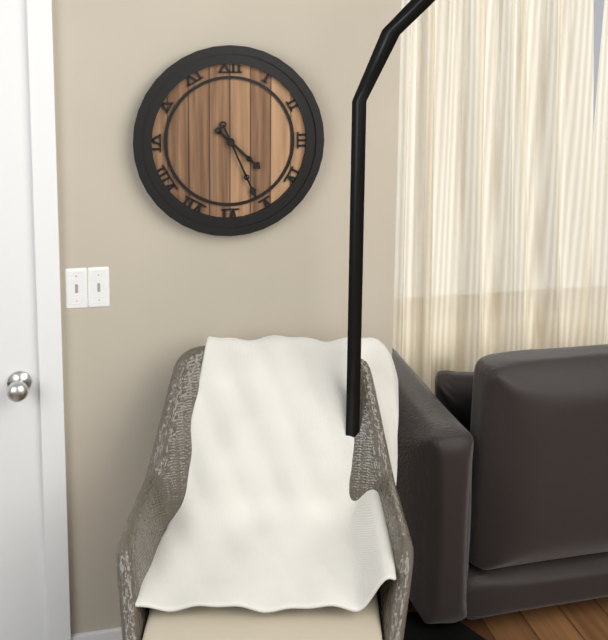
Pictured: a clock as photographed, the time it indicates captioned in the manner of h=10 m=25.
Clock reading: h=4 m=26
